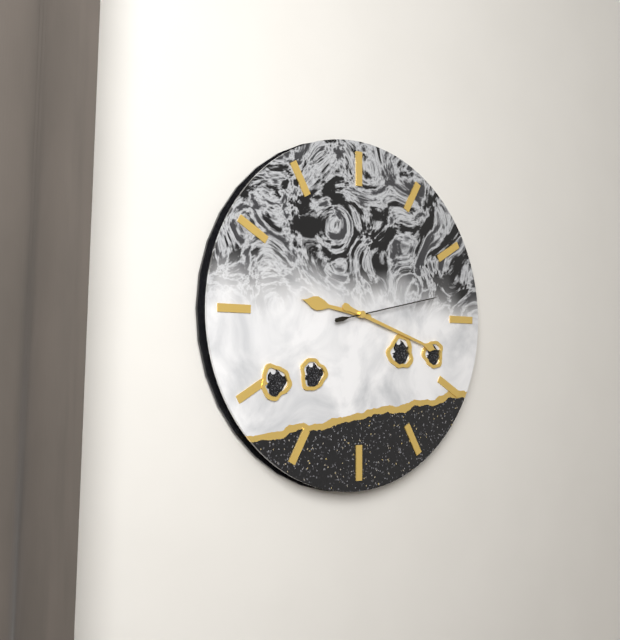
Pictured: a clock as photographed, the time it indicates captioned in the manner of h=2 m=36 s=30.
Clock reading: h=9 m=18 s=13
